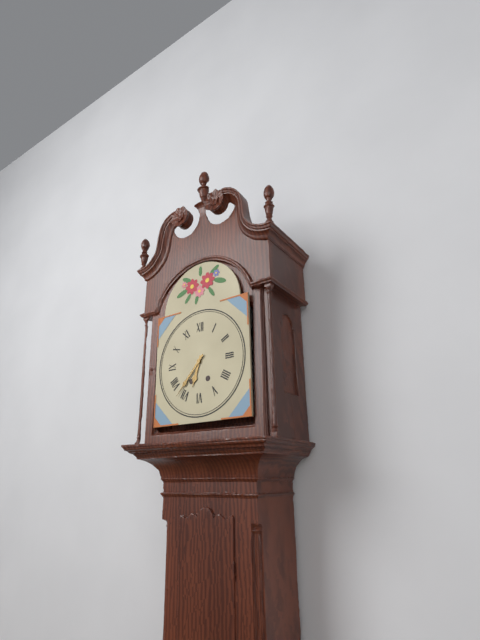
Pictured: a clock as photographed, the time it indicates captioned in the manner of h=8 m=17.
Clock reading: h=6 m=37
